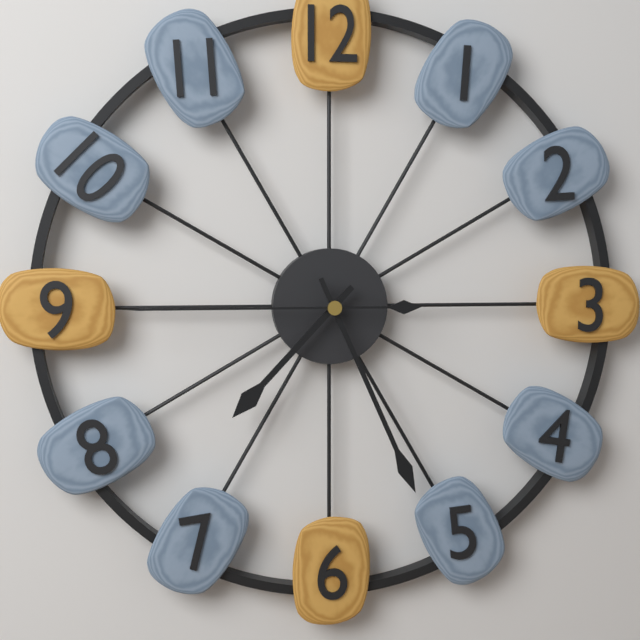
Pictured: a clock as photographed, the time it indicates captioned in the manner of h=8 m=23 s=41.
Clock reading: h=7 m=26 s=45
